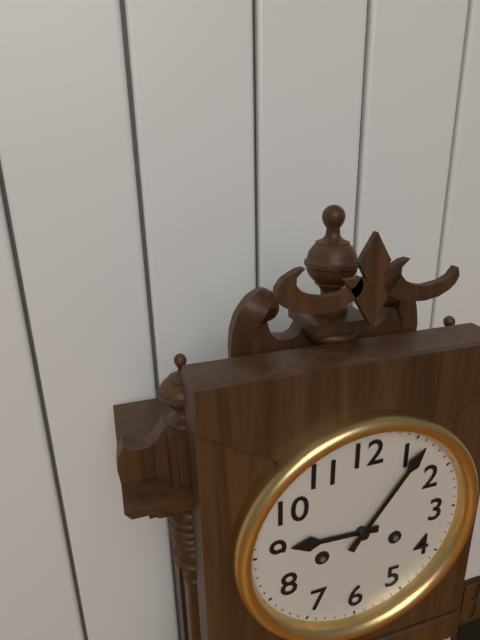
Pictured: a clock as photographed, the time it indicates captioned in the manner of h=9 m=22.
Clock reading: h=9 m=6
